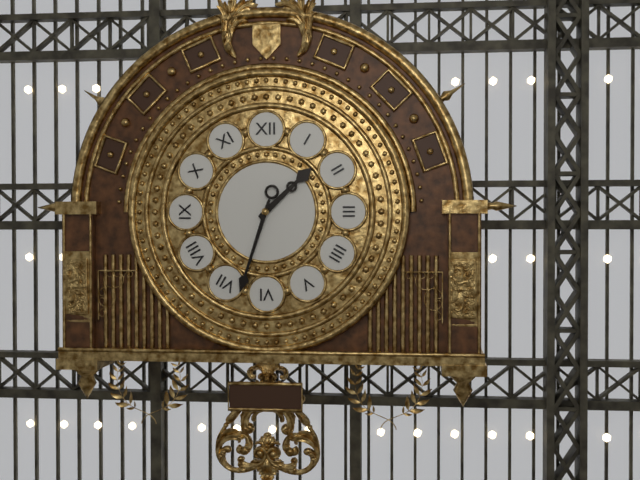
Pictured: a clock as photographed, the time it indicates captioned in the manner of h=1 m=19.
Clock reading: h=1 m=33
